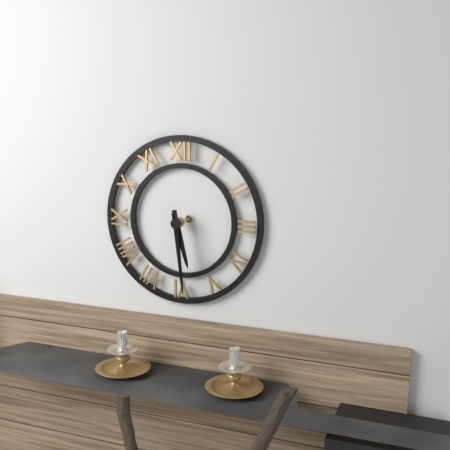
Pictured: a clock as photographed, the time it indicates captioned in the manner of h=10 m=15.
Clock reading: h=5 m=29
